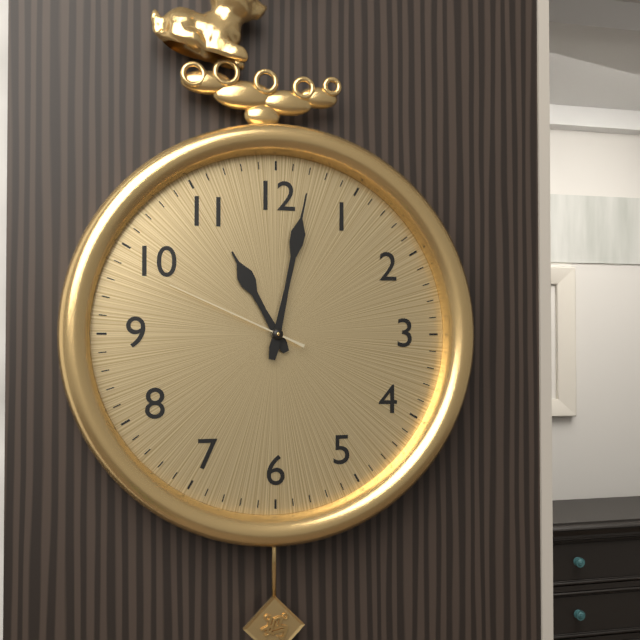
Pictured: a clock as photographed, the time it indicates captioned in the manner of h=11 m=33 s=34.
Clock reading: h=11 m=2 s=49
